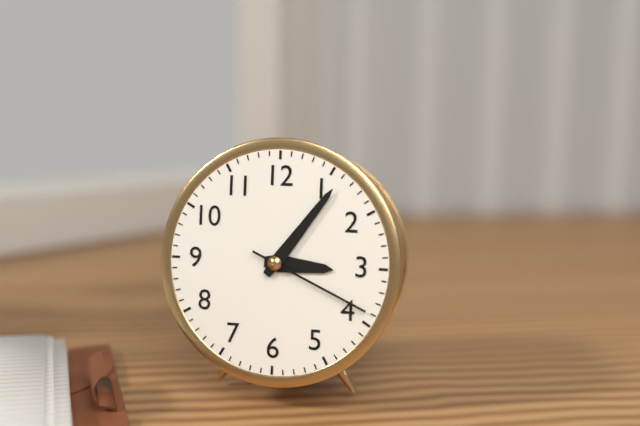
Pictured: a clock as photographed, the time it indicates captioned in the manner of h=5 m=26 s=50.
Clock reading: h=3 m=6 s=19
